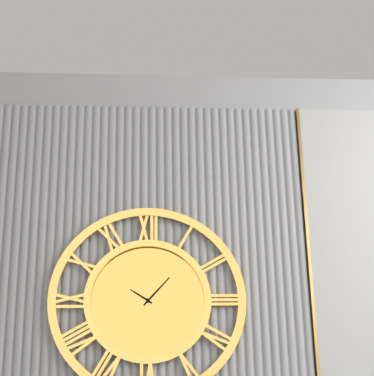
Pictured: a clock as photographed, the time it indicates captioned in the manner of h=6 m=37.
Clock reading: h=10 m=7
